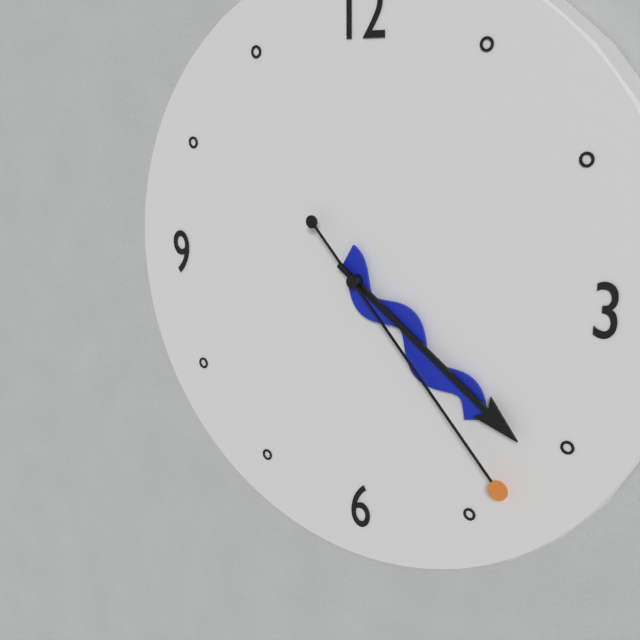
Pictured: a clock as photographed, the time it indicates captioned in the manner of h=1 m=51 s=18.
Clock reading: h=4 m=21 s=23
